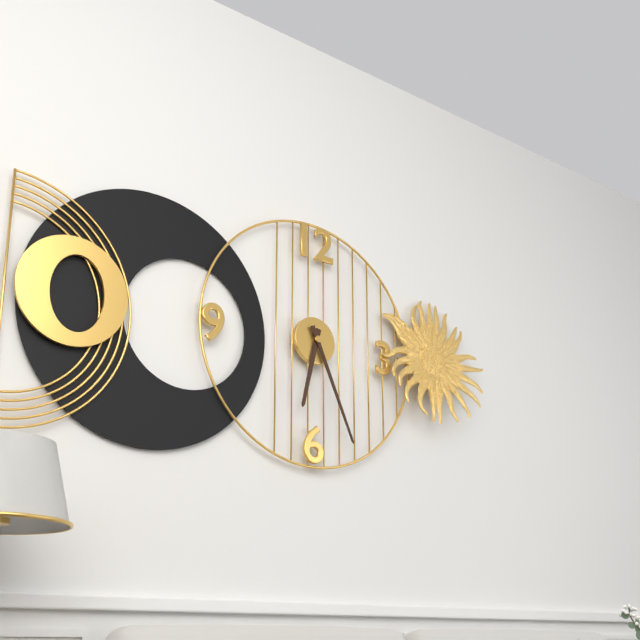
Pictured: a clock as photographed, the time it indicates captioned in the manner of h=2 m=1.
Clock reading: h=6 m=26
